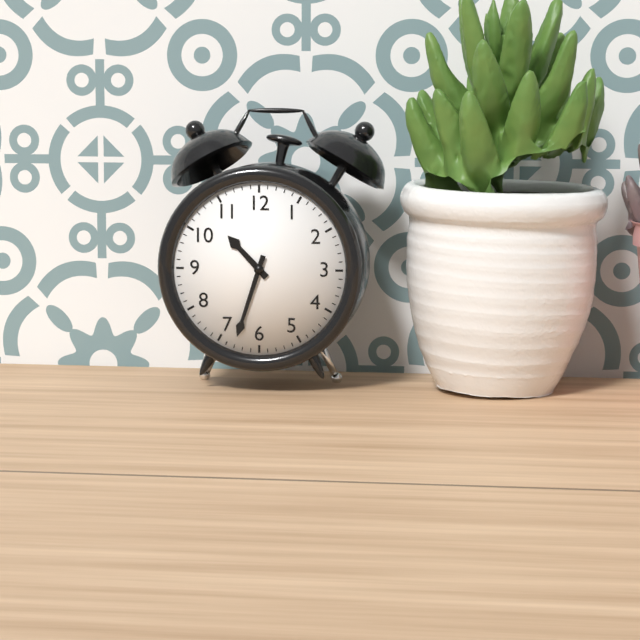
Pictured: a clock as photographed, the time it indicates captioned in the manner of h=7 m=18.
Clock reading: h=10 m=33
